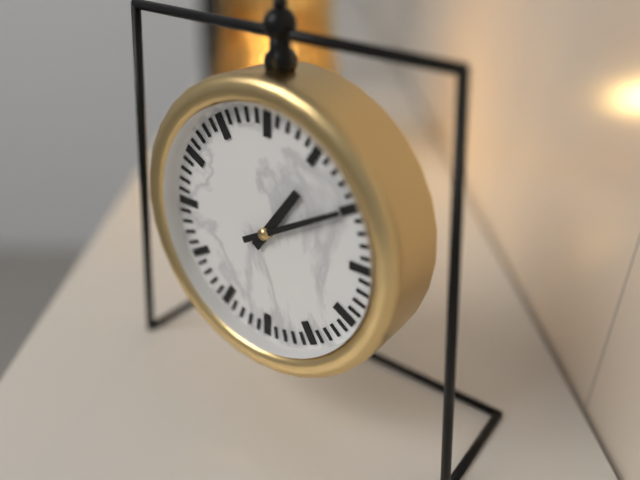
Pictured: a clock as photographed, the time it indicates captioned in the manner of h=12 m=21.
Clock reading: h=1 m=10
